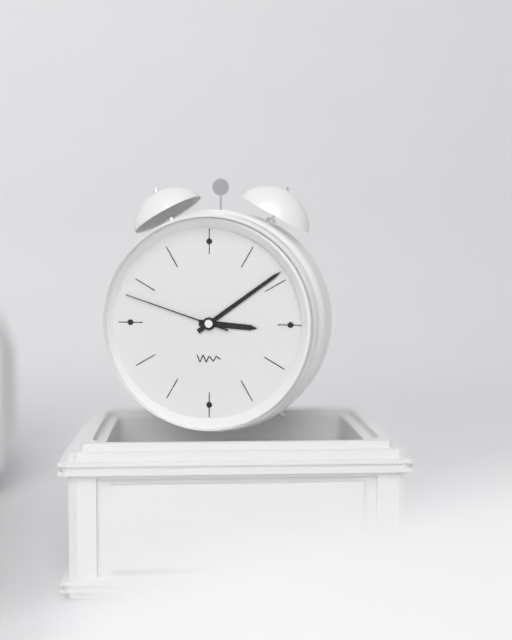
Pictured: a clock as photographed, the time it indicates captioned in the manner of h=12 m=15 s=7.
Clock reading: h=3 m=9 s=48
